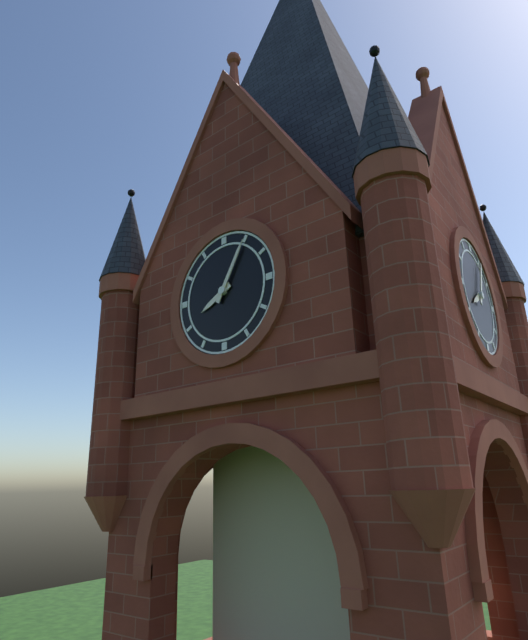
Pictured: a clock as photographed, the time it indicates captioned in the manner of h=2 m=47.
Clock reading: h=8 m=5
